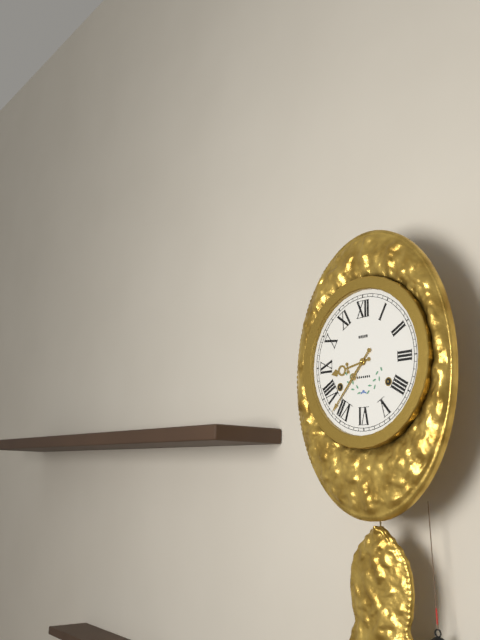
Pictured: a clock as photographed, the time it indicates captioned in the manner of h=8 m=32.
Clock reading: h=8 m=37
